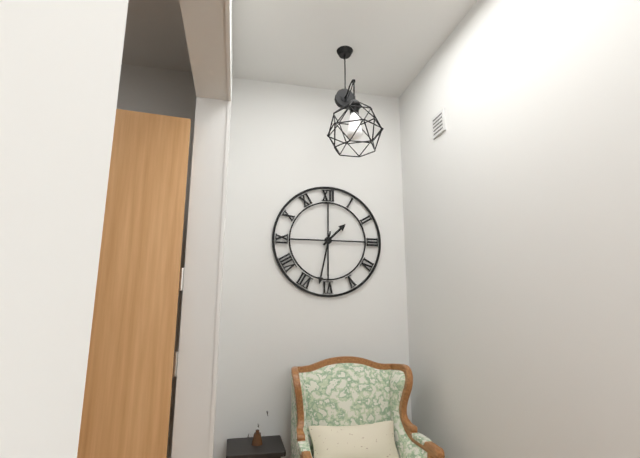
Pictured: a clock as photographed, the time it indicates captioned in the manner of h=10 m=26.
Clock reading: h=1 m=32
